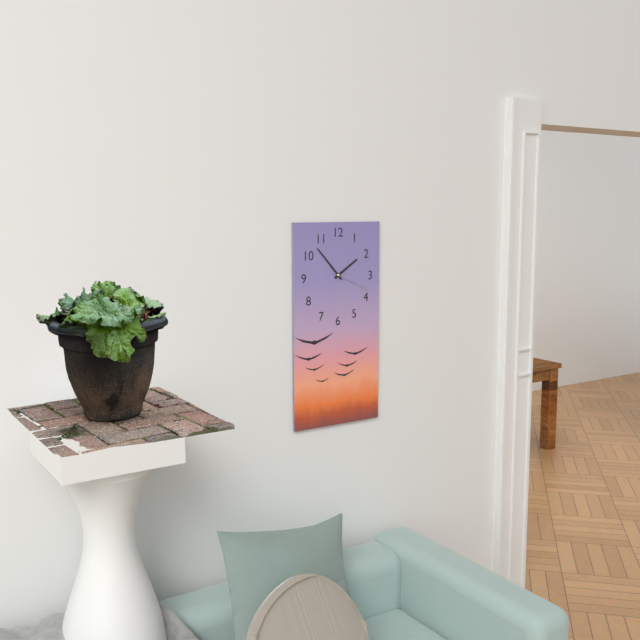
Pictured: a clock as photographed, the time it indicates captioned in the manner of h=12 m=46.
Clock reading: h=1 m=53
